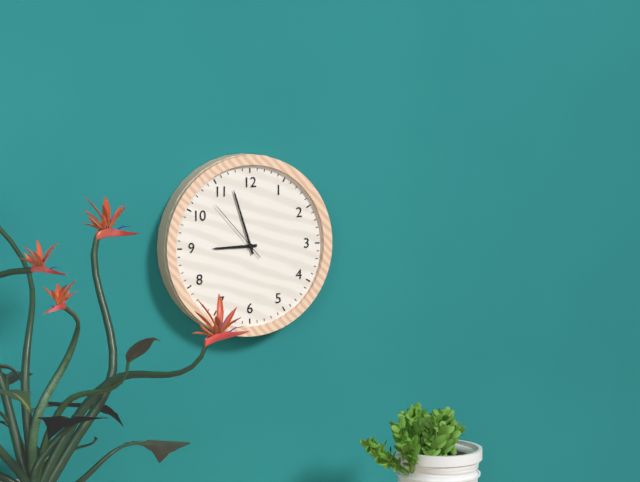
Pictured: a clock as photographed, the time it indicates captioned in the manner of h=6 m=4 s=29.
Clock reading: h=8 m=57 s=53
